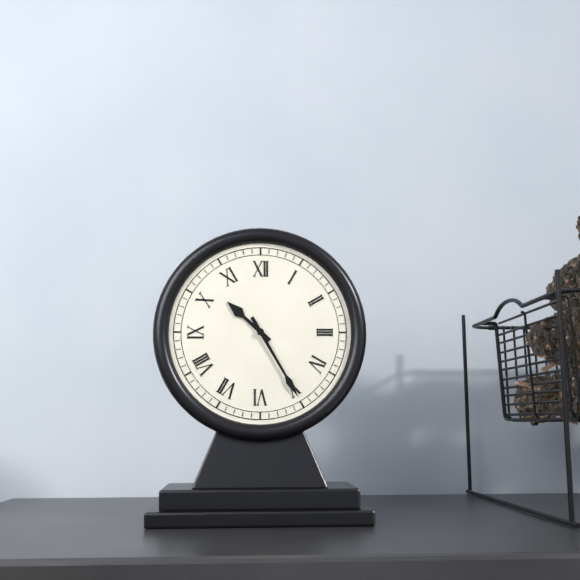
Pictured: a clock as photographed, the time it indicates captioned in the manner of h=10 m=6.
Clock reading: h=10 m=25
